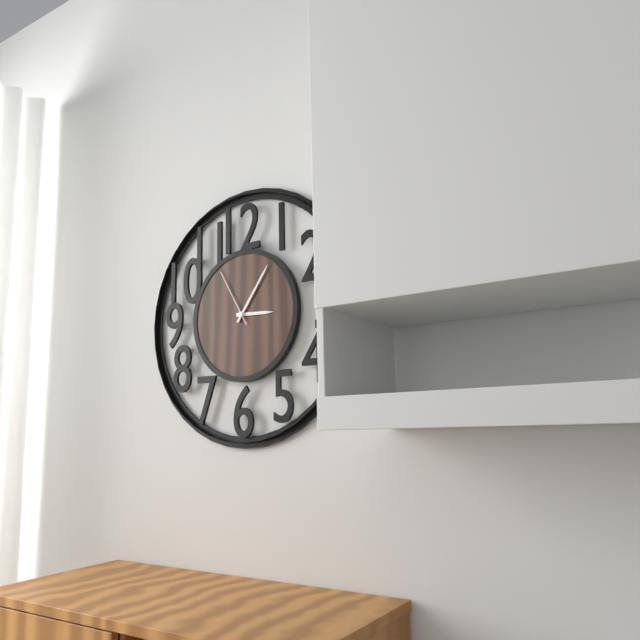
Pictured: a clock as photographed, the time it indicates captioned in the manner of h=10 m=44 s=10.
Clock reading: h=3 m=6 s=55
